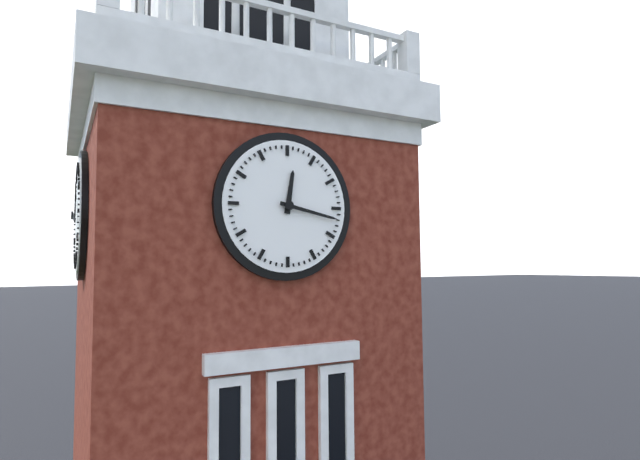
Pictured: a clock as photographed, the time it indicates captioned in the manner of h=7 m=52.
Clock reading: h=12 m=17
